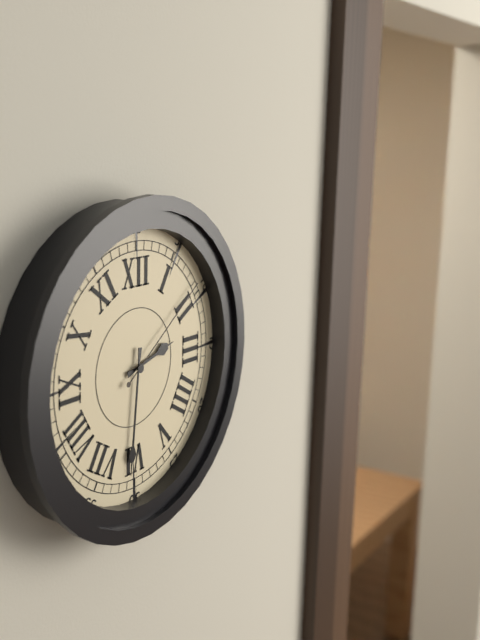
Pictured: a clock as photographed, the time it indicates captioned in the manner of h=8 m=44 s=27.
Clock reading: h=2 m=31 s=9
